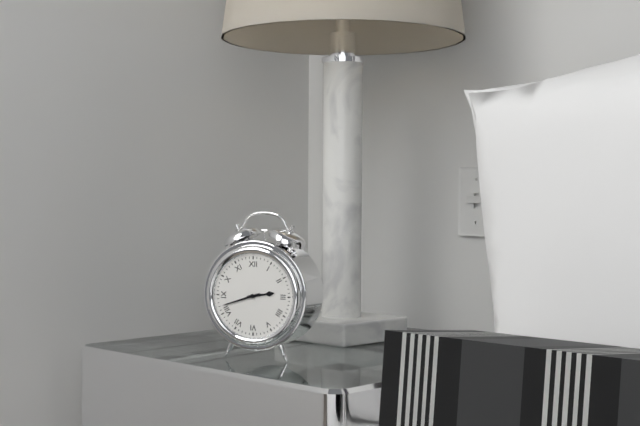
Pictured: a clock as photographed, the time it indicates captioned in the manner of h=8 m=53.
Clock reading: h=2 m=42
